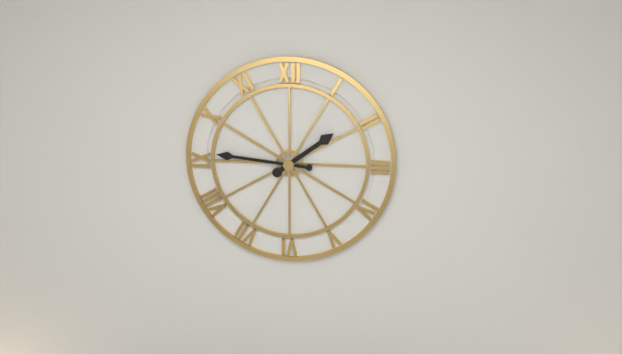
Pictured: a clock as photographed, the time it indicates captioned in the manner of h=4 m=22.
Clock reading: h=1 m=46
